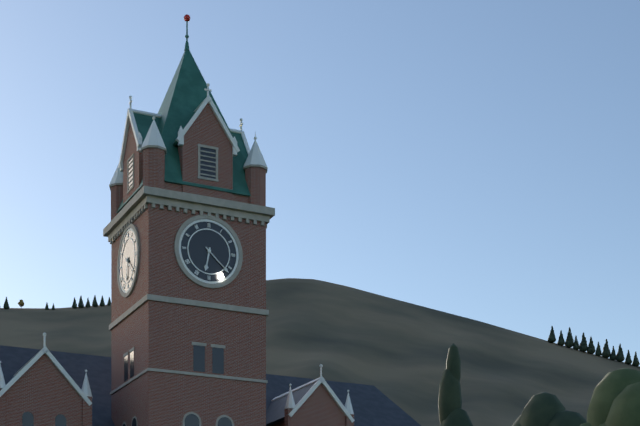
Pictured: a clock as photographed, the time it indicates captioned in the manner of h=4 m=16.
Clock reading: h=6 m=22
